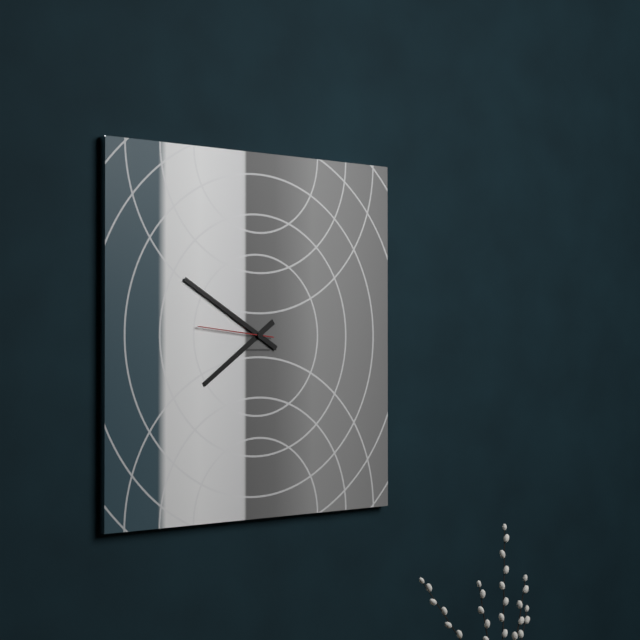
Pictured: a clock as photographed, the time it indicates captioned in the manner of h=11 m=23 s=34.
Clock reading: h=7 m=50 s=46
